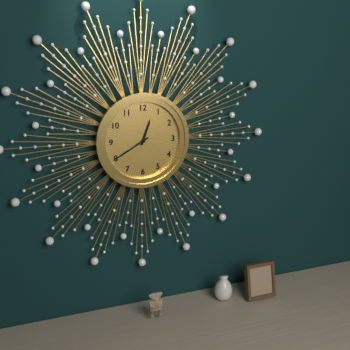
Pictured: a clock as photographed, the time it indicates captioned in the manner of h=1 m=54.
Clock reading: h=12 m=40
